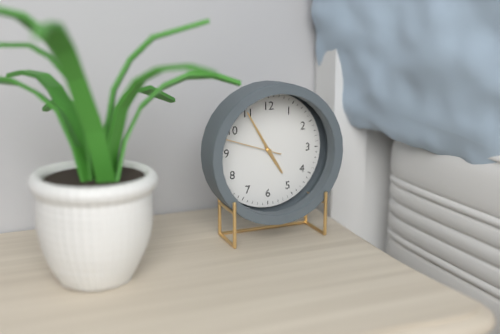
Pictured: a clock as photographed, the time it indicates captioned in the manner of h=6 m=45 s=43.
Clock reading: h=4 m=55 s=48
